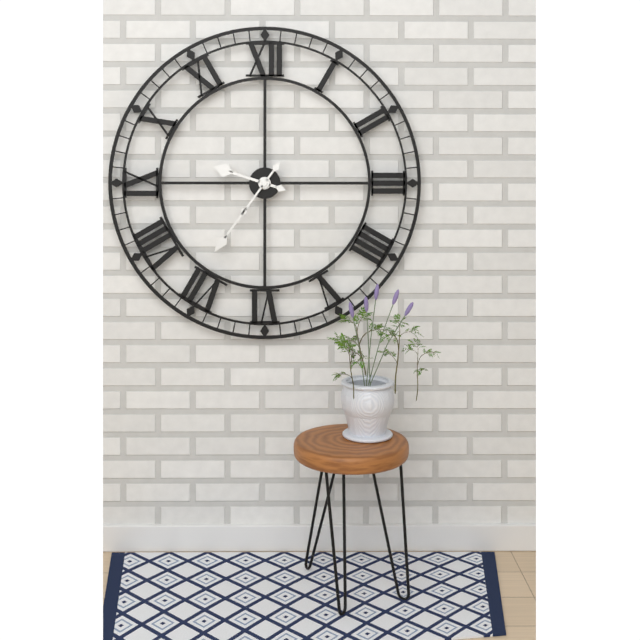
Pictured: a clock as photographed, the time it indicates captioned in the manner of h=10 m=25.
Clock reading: h=9 m=36
